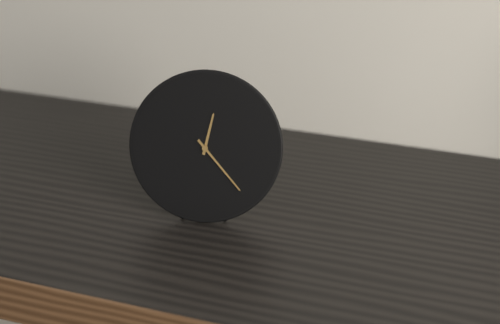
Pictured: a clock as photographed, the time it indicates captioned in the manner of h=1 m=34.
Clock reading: h=12 m=23
